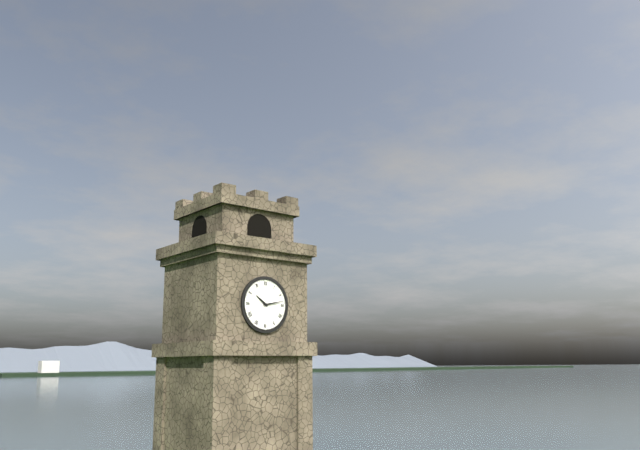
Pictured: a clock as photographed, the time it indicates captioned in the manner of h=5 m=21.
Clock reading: h=10 m=13
